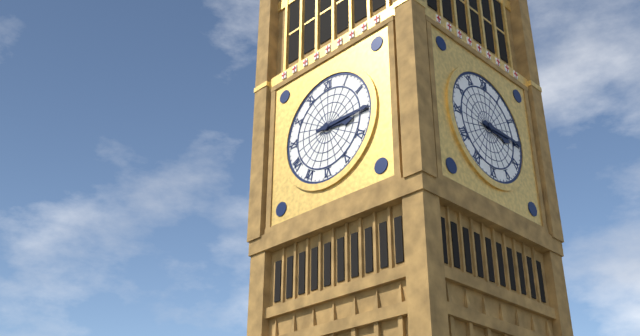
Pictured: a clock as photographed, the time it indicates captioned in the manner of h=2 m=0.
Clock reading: h=3 m=15
